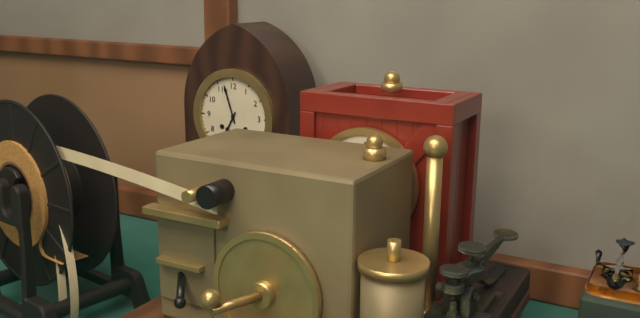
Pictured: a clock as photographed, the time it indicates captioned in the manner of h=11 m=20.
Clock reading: h=6 m=57
